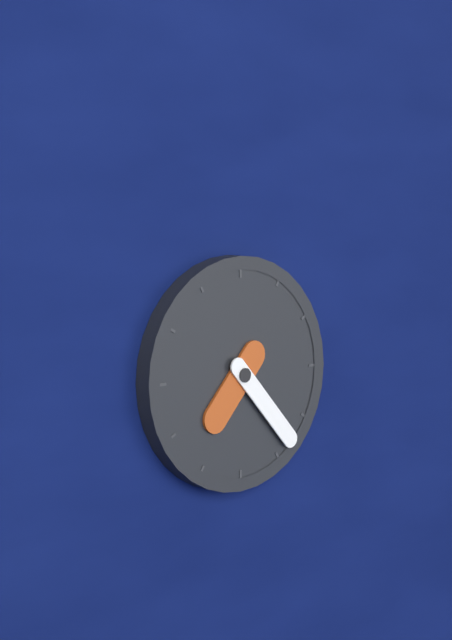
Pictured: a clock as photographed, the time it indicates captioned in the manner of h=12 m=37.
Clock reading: h=7 m=23
